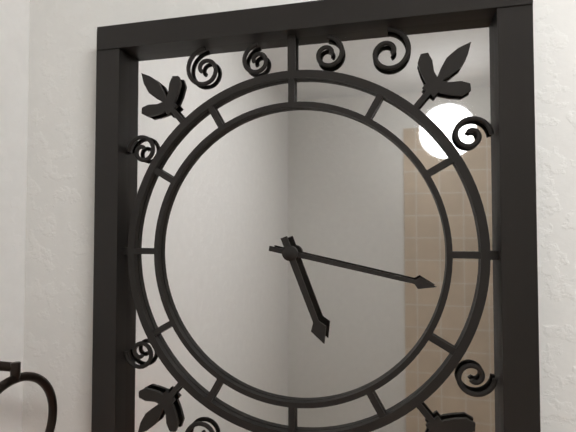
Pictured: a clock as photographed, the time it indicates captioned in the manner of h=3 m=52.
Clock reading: h=5 m=17
